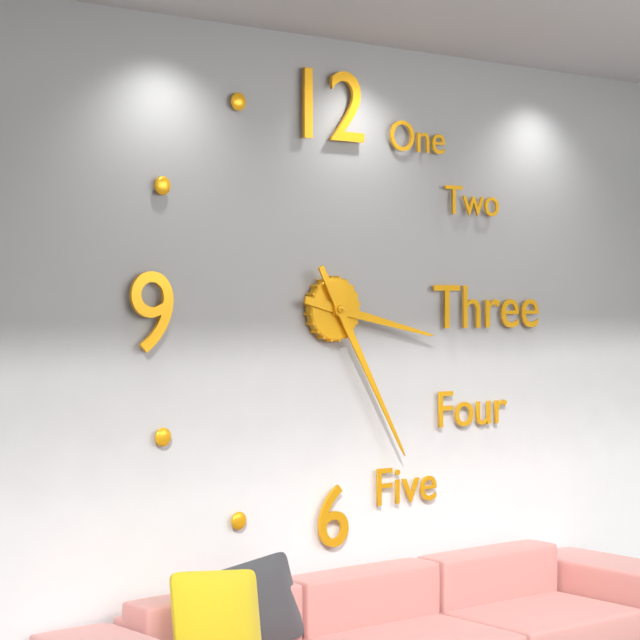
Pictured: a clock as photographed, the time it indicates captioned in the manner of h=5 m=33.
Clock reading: h=3 m=25
